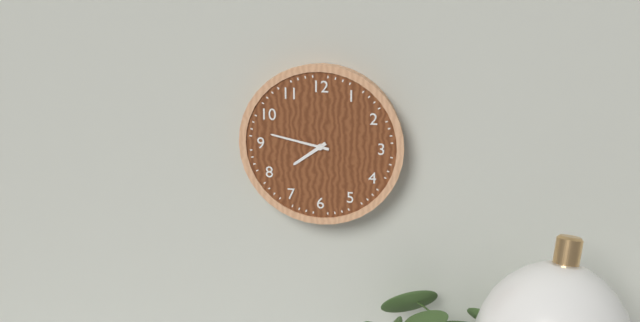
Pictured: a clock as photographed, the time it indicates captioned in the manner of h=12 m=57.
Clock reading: h=7 m=47
